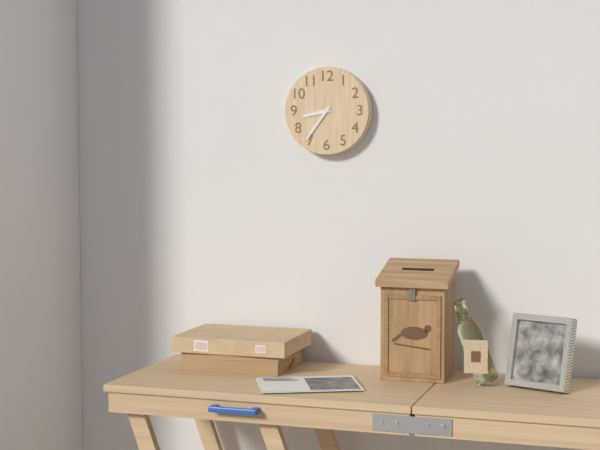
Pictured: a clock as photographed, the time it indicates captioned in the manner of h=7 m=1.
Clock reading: h=8 m=36
